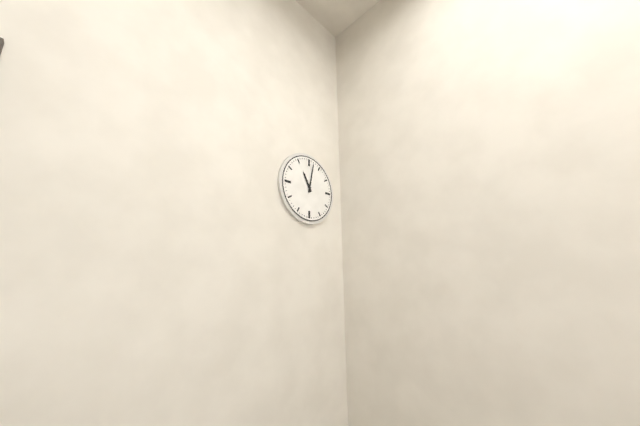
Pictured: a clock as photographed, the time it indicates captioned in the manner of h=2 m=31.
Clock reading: h=11 m=2
